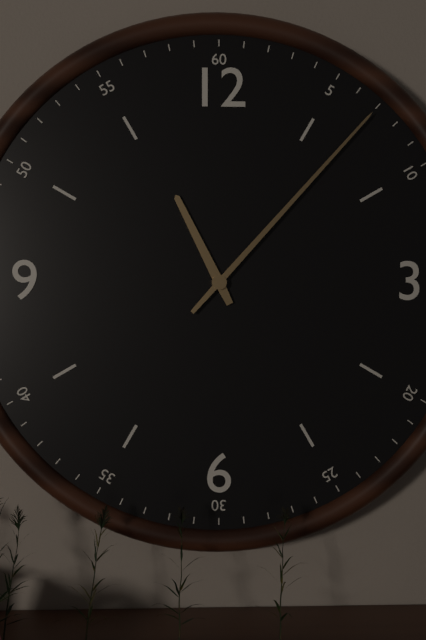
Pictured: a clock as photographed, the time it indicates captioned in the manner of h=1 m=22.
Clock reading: h=11 m=7
